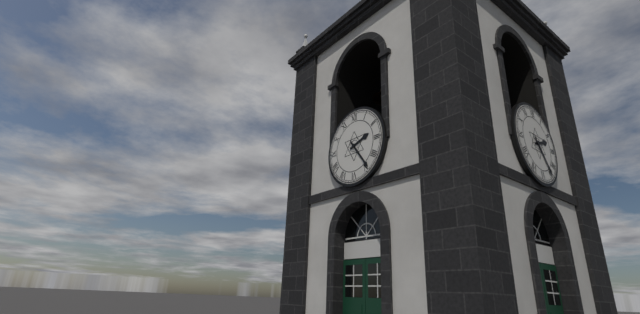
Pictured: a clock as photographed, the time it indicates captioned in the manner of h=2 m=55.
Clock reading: h=2 m=24
